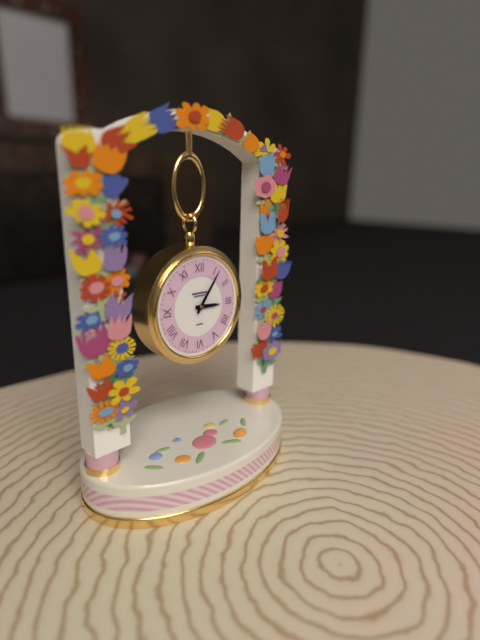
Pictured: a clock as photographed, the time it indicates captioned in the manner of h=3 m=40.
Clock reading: h=3 m=6
